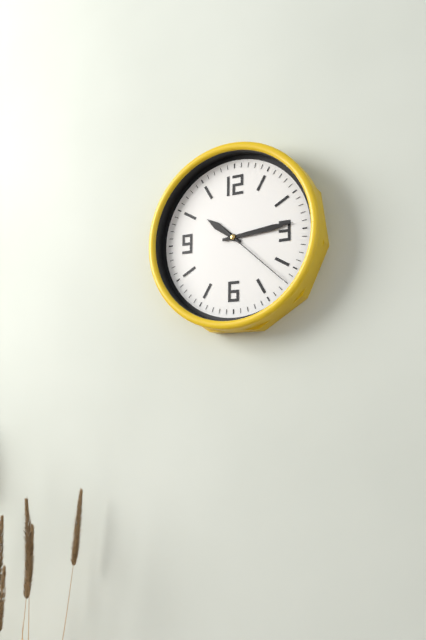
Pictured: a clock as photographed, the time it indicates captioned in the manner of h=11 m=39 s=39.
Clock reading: h=10 m=14 s=22
